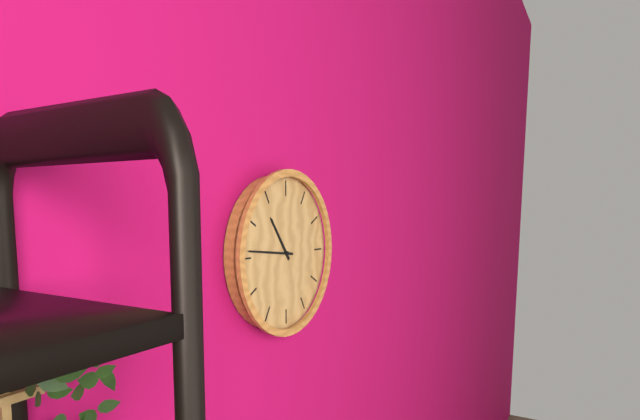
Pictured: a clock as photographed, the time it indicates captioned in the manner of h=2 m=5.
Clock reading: h=10 m=46
